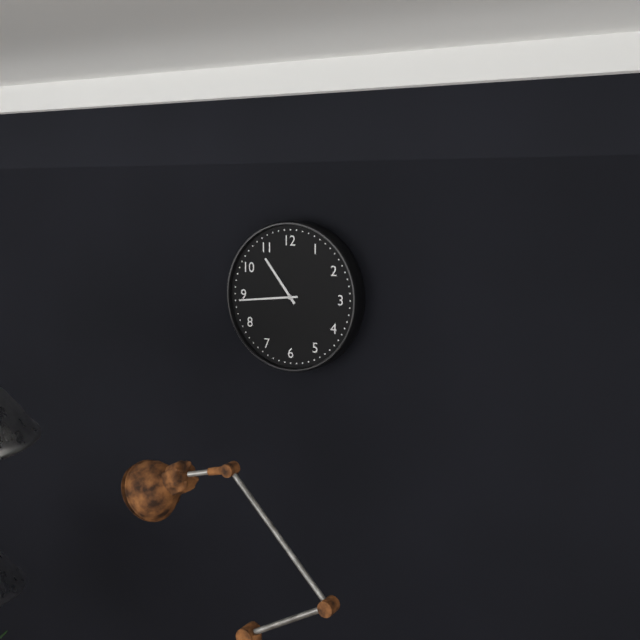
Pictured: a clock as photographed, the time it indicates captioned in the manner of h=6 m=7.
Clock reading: h=10 m=44
